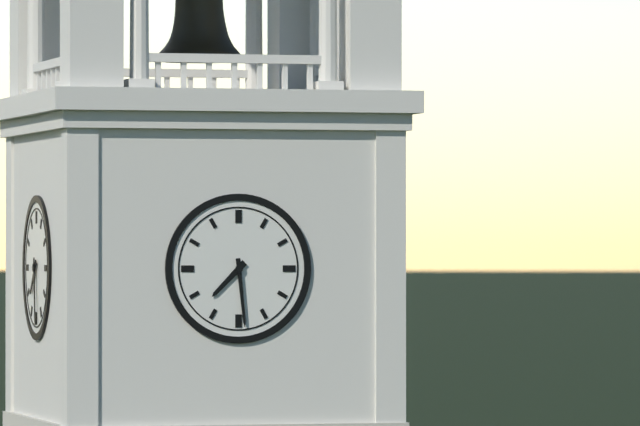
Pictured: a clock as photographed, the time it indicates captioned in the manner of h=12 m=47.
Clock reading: h=7 m=29
